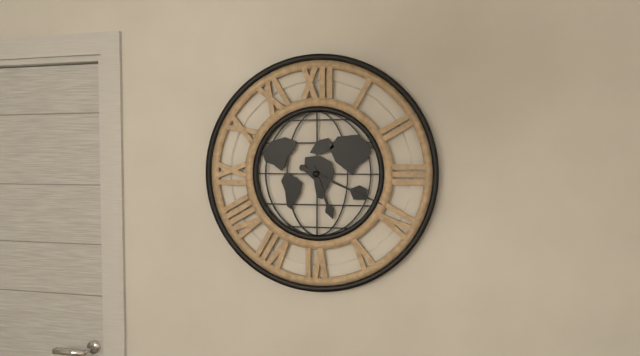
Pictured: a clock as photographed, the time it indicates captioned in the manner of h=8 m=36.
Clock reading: h=5 m=19
